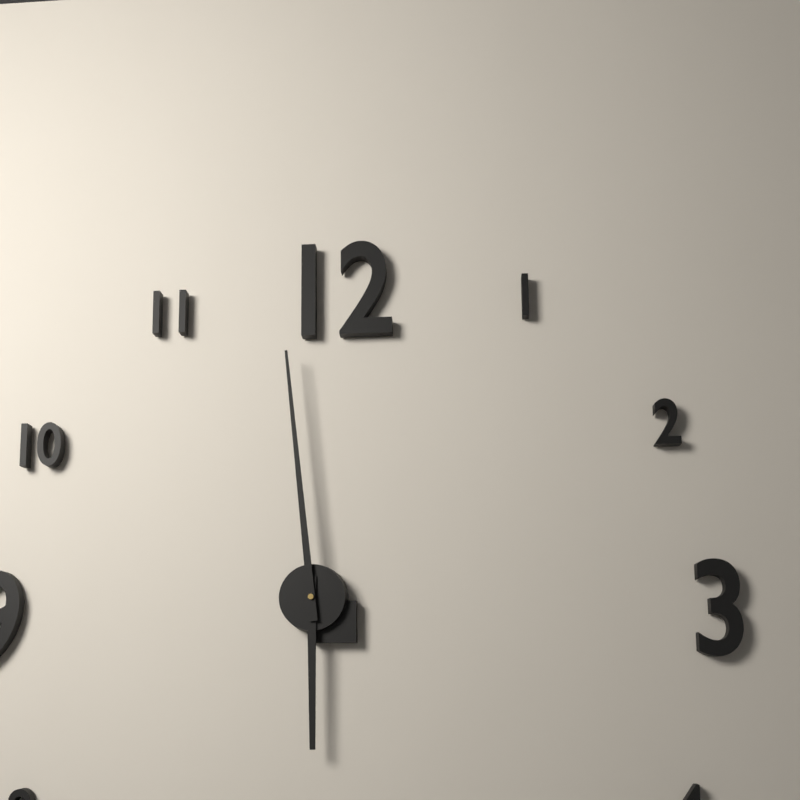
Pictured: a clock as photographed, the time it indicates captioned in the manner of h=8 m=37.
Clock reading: h=5 m=59
